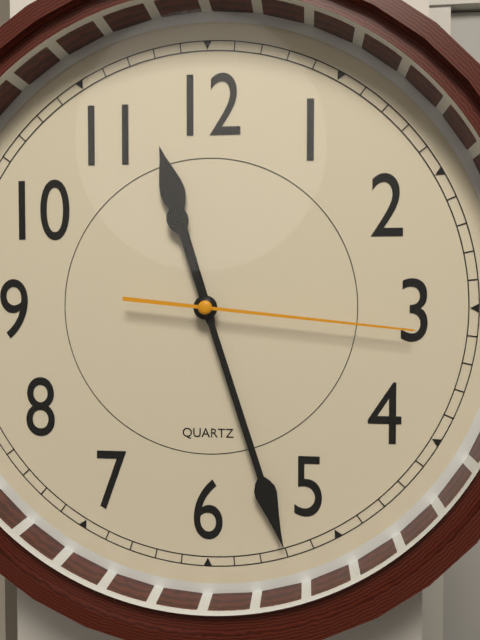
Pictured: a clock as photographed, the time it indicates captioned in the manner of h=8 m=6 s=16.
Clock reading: h=11 m=27 s=16
